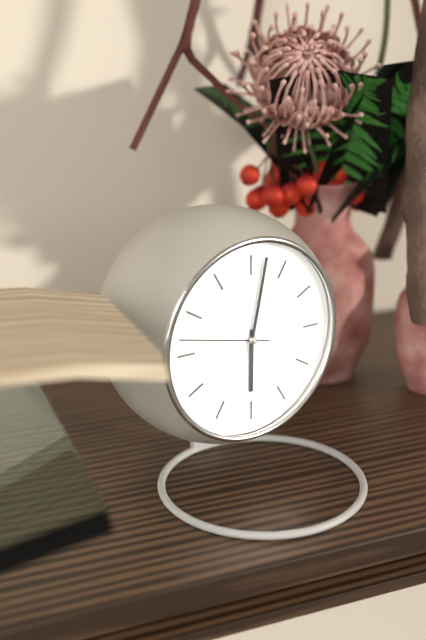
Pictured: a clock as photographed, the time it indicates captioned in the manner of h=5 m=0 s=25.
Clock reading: h=6 m=2 s=47
